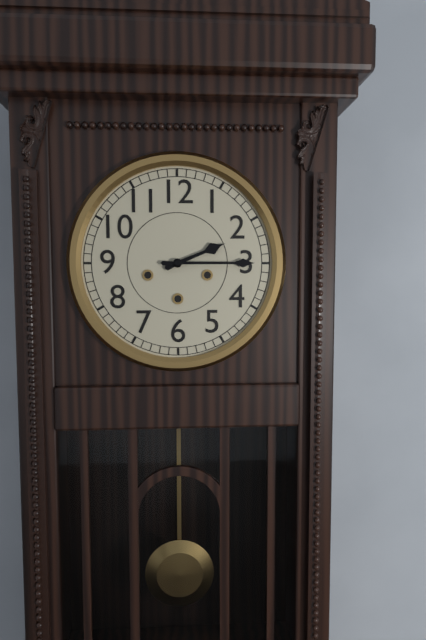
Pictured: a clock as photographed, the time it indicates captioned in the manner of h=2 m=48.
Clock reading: h=2 m=15
